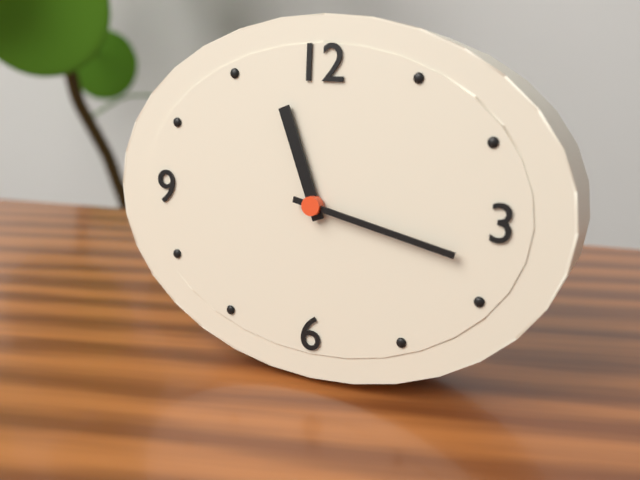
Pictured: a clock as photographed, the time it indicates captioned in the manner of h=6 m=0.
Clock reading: h=11 m=17
